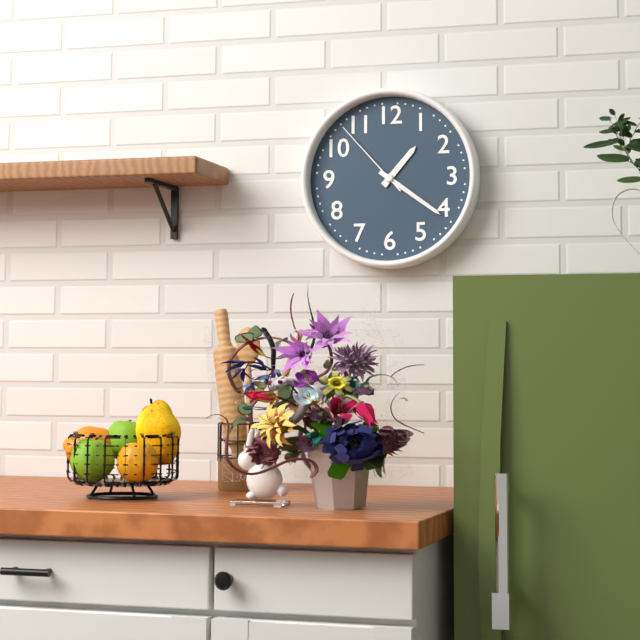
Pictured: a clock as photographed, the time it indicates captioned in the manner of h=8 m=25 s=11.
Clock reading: h=1 m=21 s=53
